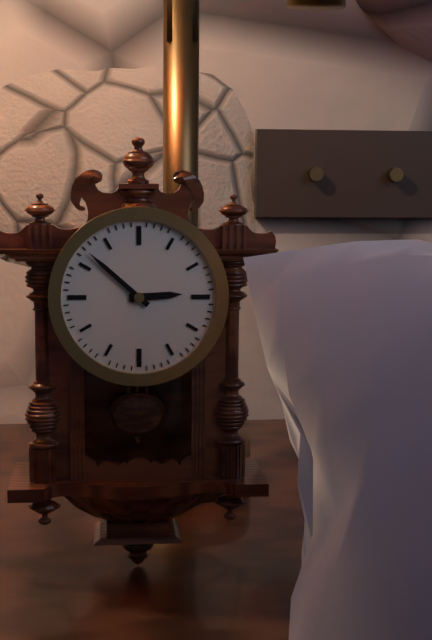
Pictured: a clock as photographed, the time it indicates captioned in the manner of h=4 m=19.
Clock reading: h=2 m=52
